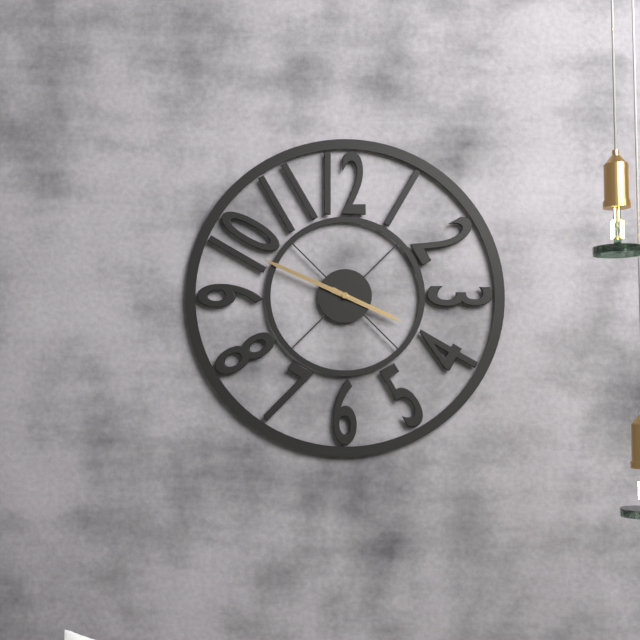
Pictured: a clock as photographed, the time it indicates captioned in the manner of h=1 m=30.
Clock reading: h=3 m=49
